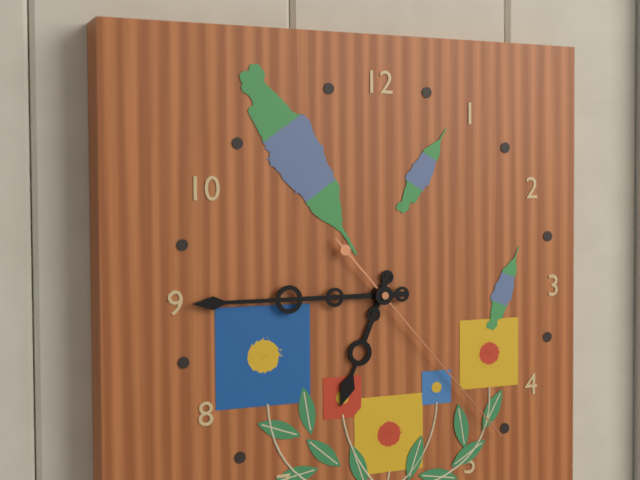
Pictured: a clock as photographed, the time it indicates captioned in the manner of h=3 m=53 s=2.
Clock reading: h=6 m=45 s=23
